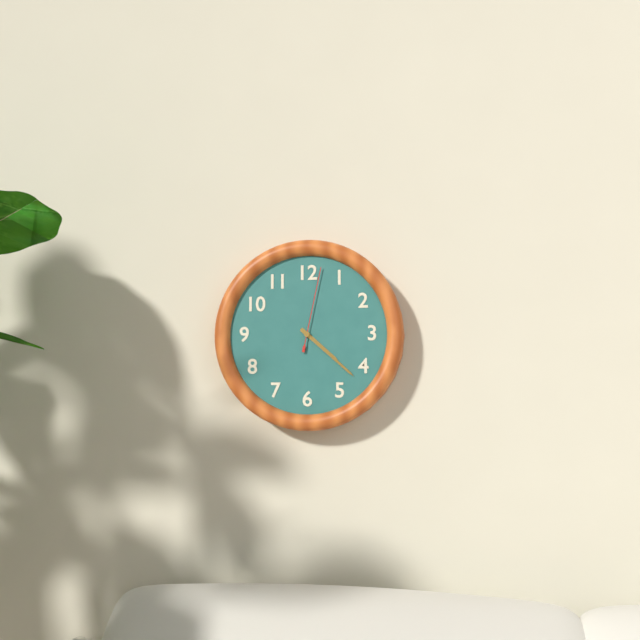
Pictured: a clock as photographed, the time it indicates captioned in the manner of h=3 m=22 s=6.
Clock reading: h=4 m=22 s=2
